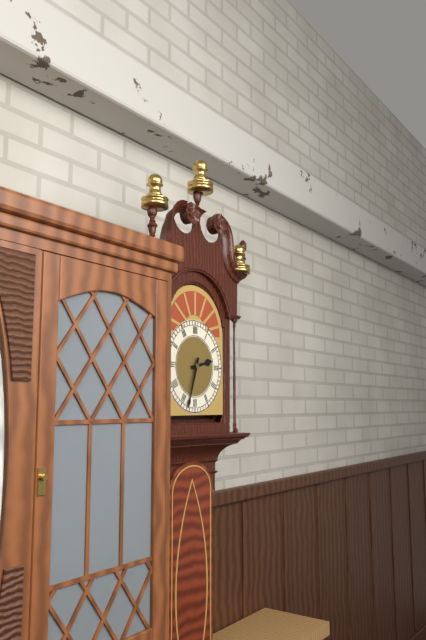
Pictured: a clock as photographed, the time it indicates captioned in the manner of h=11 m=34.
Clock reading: h=2 m=33
